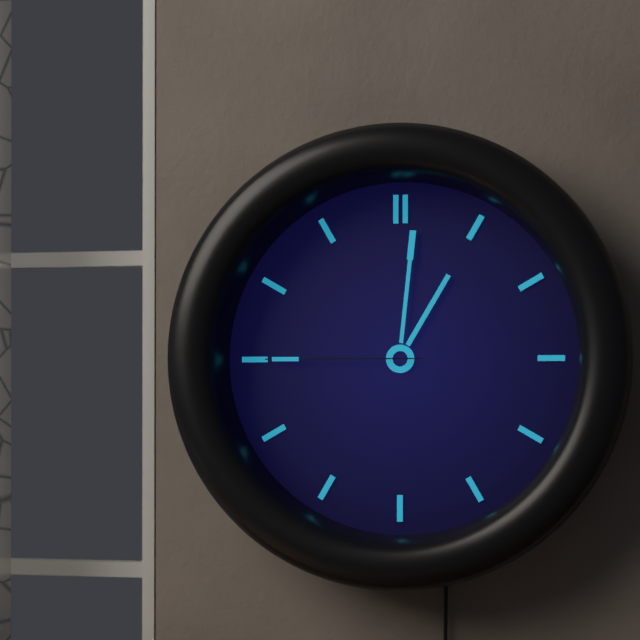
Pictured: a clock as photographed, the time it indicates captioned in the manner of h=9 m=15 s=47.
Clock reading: h=1 m=1 s=45
